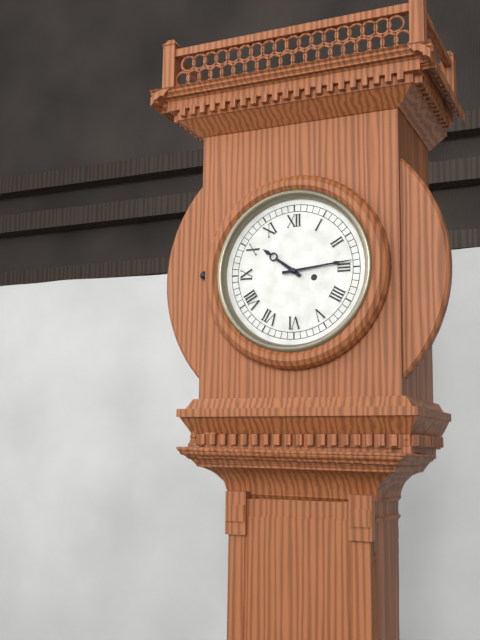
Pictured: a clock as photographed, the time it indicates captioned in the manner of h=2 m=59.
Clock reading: h=10 m=14
